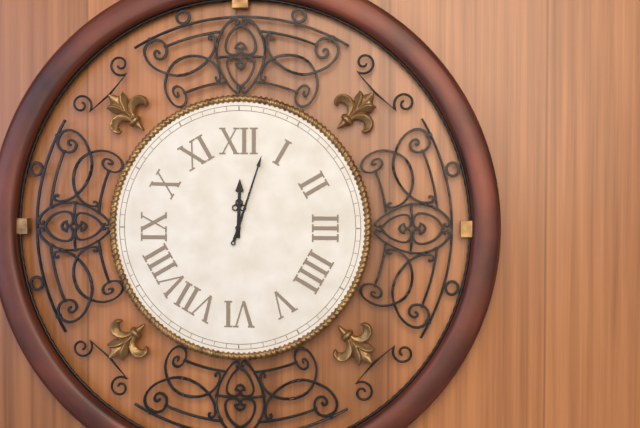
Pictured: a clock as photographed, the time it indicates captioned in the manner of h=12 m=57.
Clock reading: h=12 m=3
